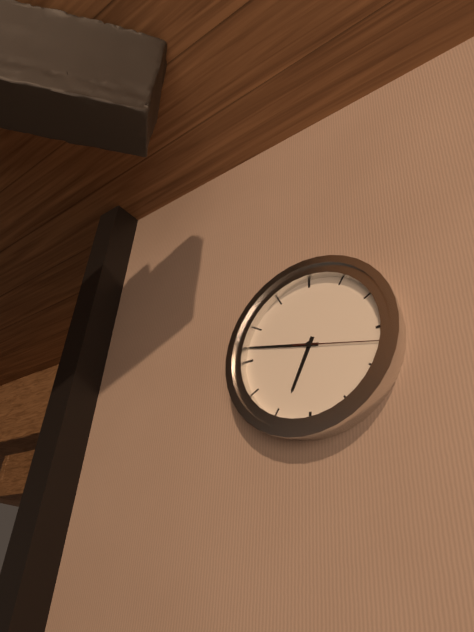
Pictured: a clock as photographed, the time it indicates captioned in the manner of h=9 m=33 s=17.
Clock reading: h=6 m=47 s=17
